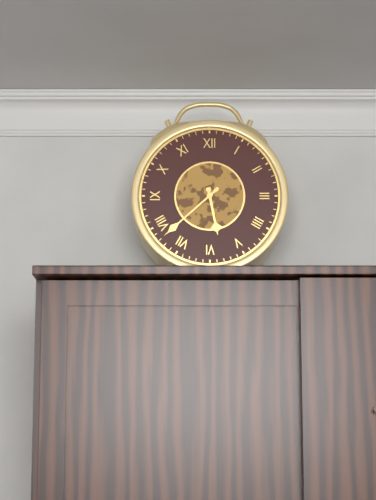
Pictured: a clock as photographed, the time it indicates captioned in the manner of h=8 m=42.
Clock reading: h=5 m=38
